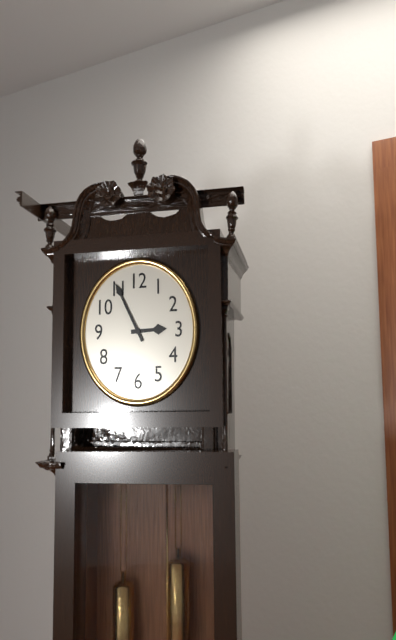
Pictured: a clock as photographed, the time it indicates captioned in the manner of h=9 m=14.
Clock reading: h=2 m=55
